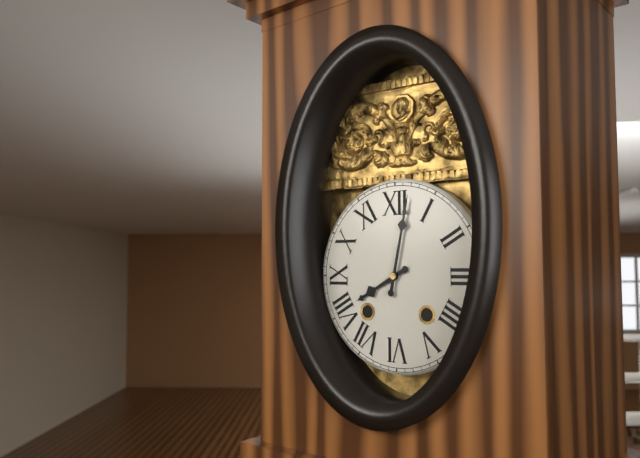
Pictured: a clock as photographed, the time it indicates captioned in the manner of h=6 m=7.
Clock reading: h=8 m=2
